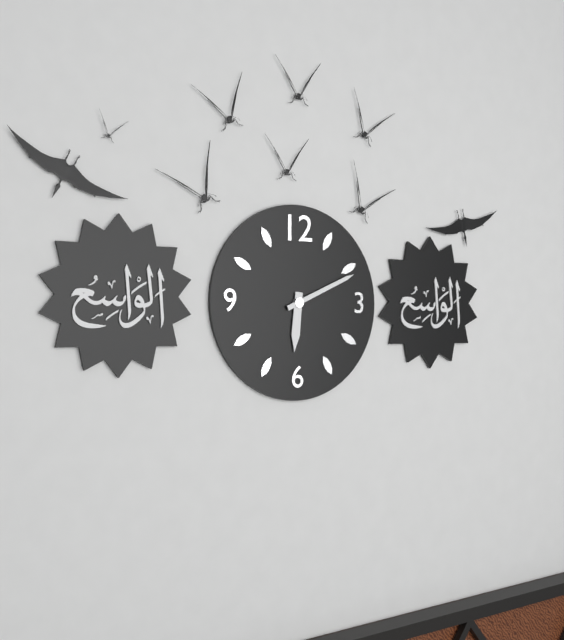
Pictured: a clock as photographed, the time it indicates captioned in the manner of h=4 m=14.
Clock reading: h=6 m=11
